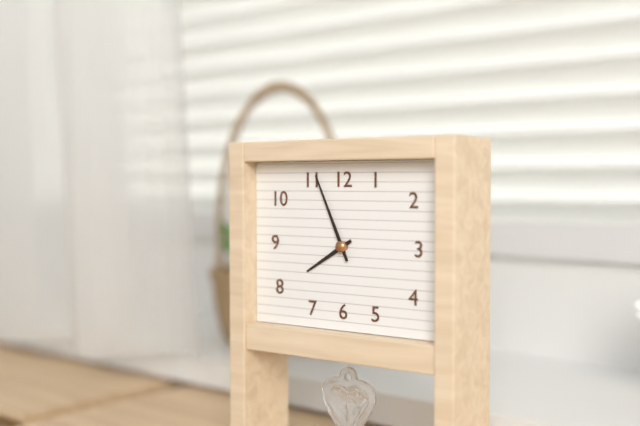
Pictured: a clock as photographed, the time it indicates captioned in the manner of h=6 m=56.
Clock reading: h=7 m=56
